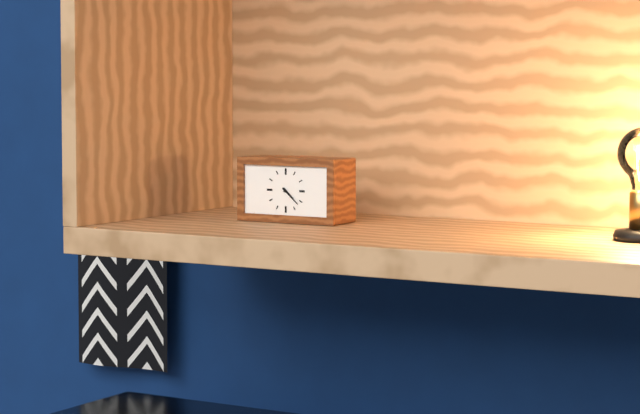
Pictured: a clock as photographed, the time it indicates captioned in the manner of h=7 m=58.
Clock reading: h=4 m=22
